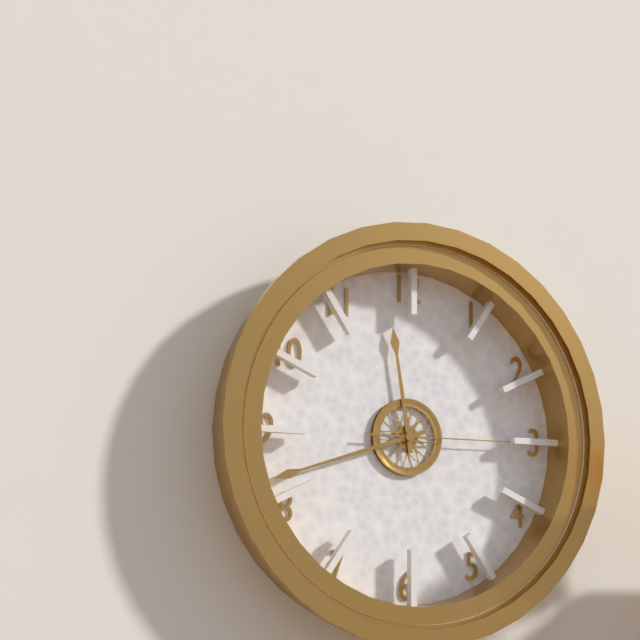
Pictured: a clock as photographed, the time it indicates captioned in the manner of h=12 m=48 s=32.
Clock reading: h=11 m=42 s=15
